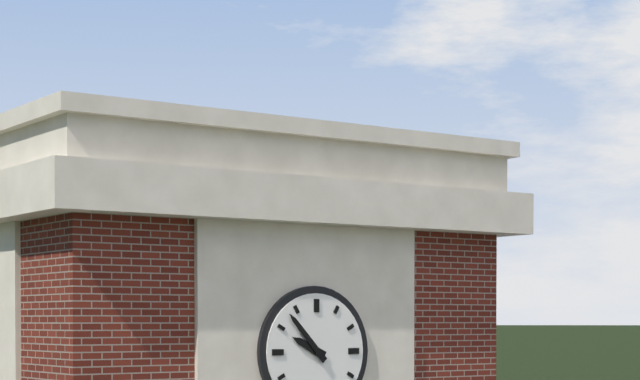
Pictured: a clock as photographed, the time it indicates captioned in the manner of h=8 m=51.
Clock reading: h=9 m=53
